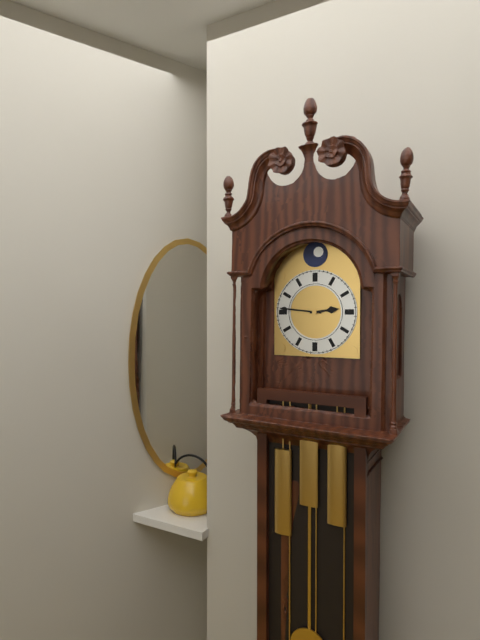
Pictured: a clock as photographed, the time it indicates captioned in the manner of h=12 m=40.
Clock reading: h=2 m=46
